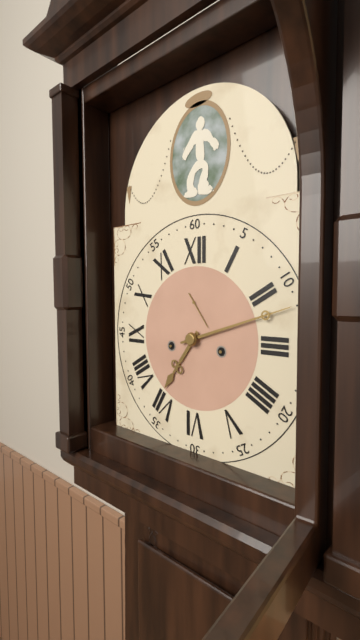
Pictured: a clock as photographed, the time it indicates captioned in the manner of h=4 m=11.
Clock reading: h=7 m=12
